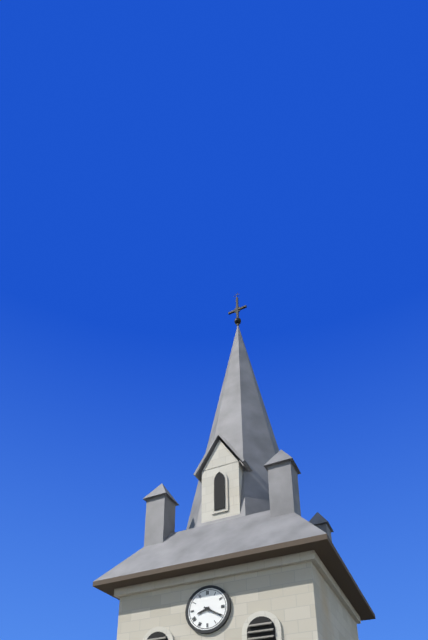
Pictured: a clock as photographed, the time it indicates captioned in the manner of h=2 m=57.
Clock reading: h=8 m=20
